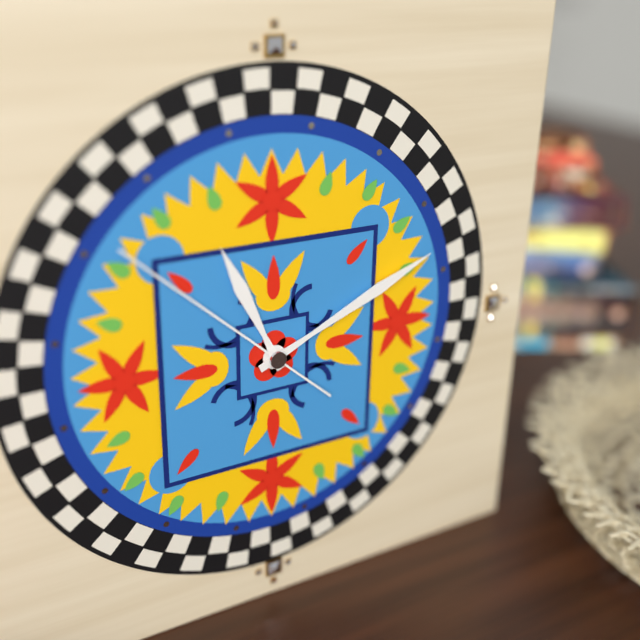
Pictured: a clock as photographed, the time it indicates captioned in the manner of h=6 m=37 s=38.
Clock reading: h=11 m=11 s=52
